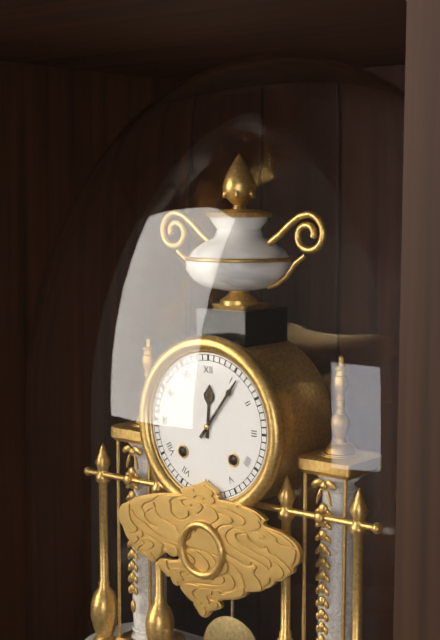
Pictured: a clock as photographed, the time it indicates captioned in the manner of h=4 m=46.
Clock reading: h=12 m=6
